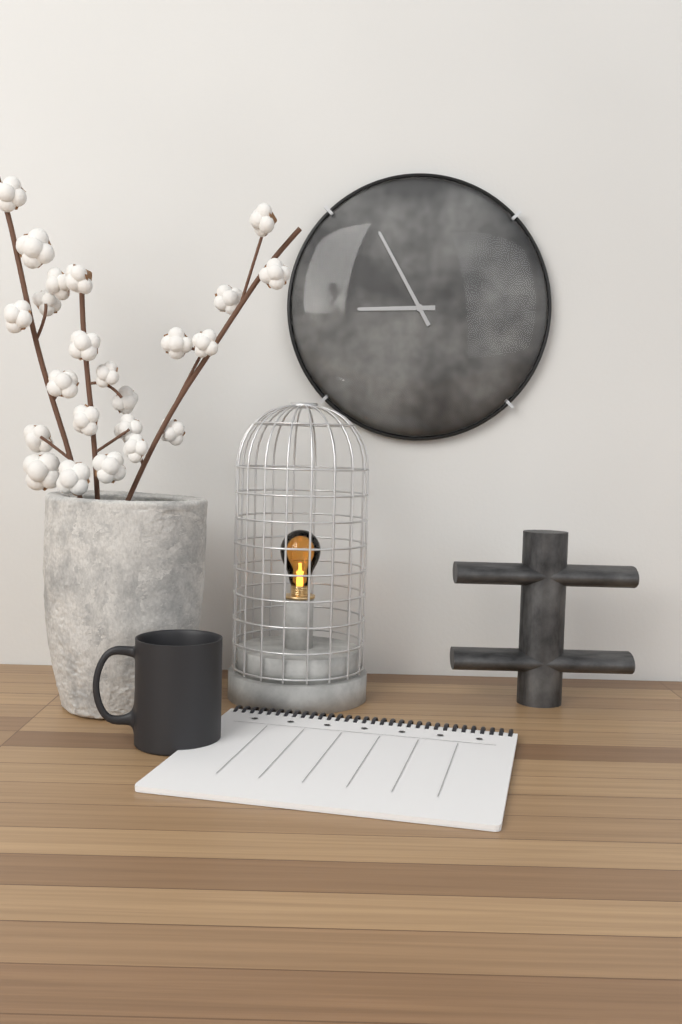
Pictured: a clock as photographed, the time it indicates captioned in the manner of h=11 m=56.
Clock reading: h=8 m=55
